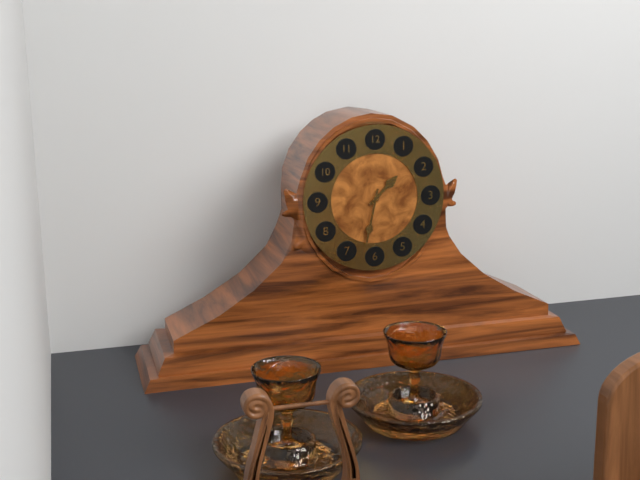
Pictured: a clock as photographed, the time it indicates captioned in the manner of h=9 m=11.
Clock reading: h=1 m=32
